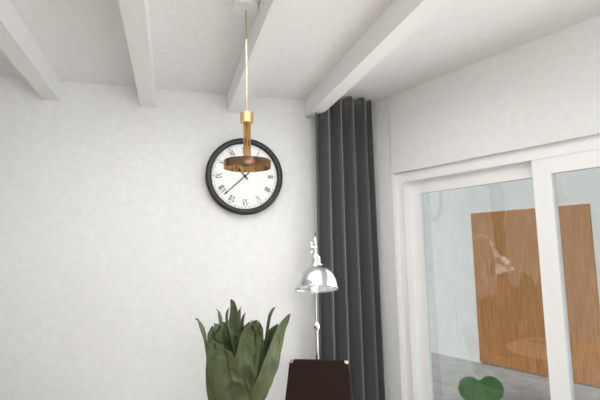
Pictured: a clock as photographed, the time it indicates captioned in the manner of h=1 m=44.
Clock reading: h=10 m=38
